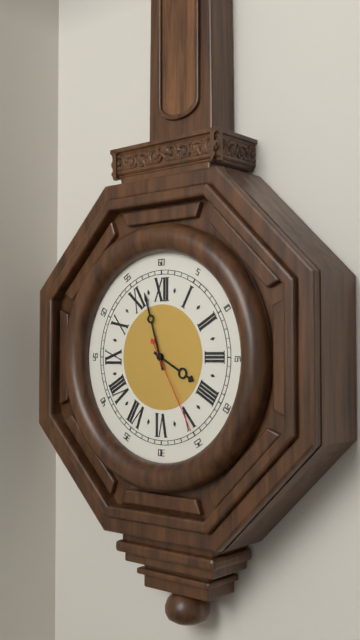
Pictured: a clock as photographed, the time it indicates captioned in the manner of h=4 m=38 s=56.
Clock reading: h=3 m=57 s=25
